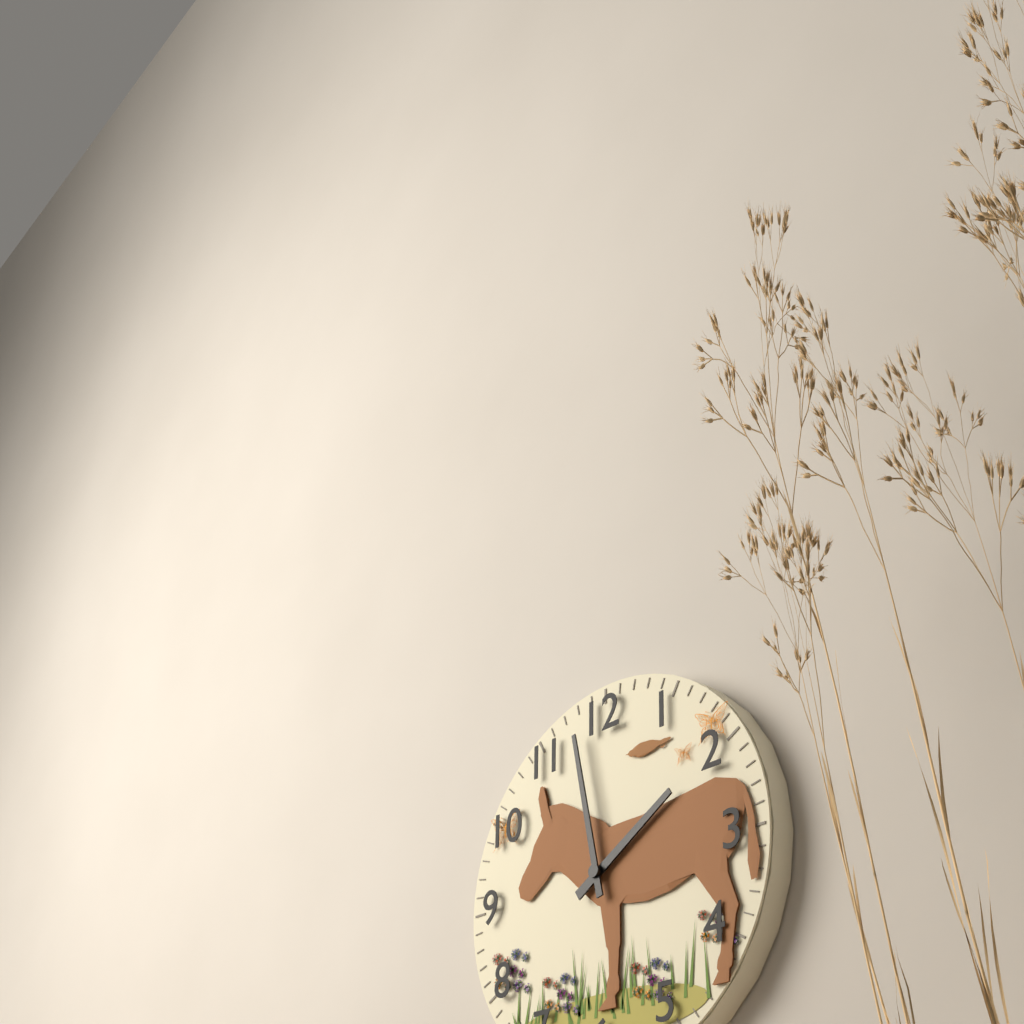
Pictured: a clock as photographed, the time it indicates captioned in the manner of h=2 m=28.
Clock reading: h=1 m=58
